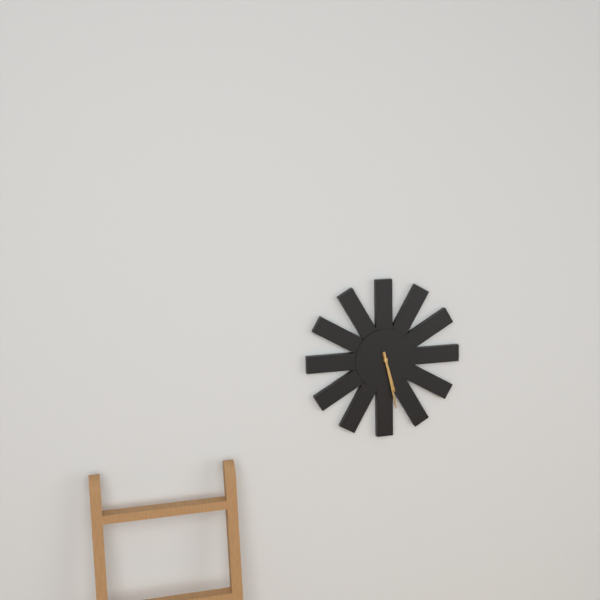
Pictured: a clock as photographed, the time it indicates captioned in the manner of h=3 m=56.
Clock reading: h=5 m=28
